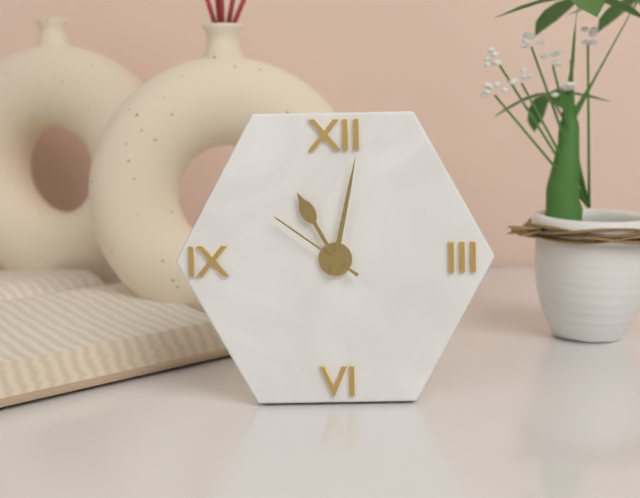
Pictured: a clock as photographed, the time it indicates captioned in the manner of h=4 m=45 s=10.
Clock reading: h=11 m=2 s=51
